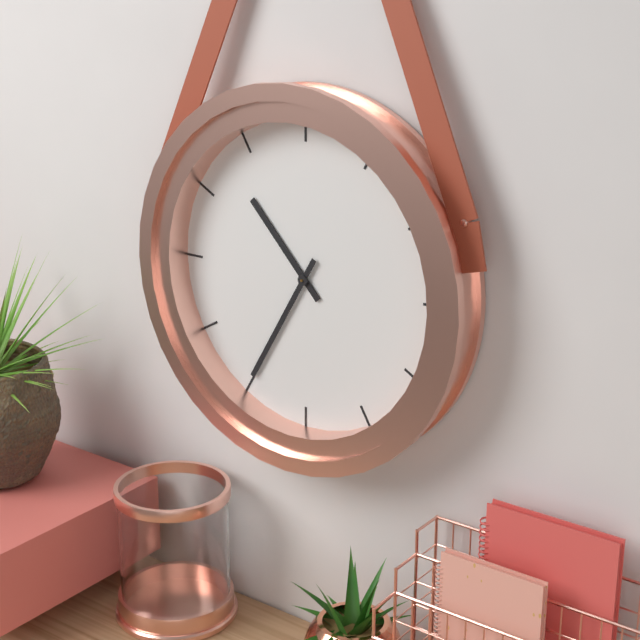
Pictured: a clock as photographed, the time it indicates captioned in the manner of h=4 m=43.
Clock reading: h=10 m=35
